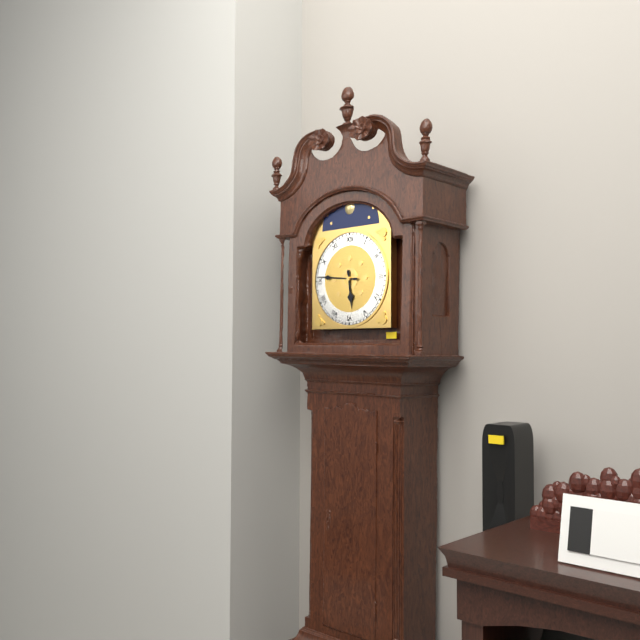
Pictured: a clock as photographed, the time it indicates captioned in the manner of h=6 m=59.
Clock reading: h=5 m=46
